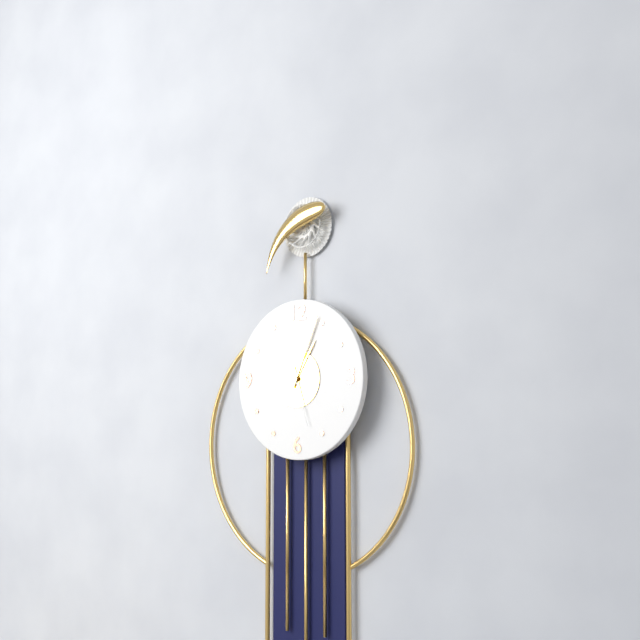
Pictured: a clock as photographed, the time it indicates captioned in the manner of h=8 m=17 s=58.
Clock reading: h=1 m=4 s=27
